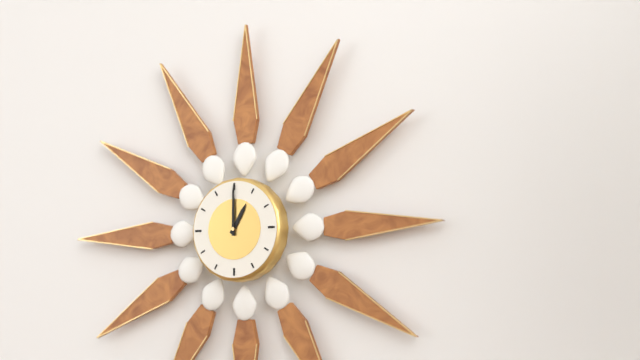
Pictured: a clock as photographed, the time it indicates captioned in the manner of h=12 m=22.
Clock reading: h=1 m=0
